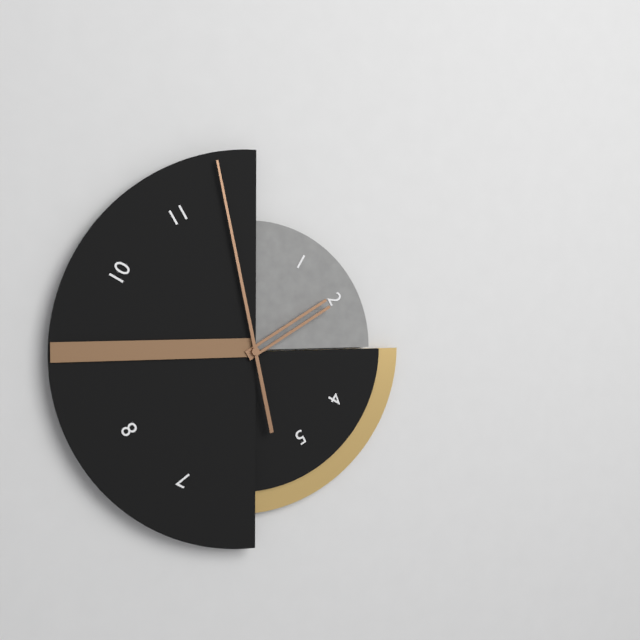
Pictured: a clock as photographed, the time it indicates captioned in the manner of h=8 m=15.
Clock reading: h=1 m=58
